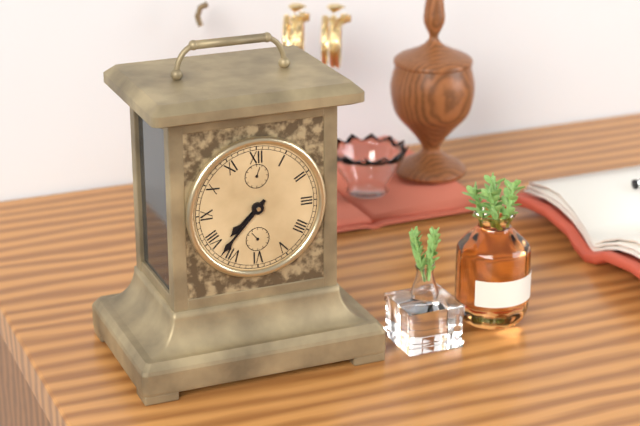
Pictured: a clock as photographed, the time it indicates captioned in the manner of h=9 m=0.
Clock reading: h=7 m=37
